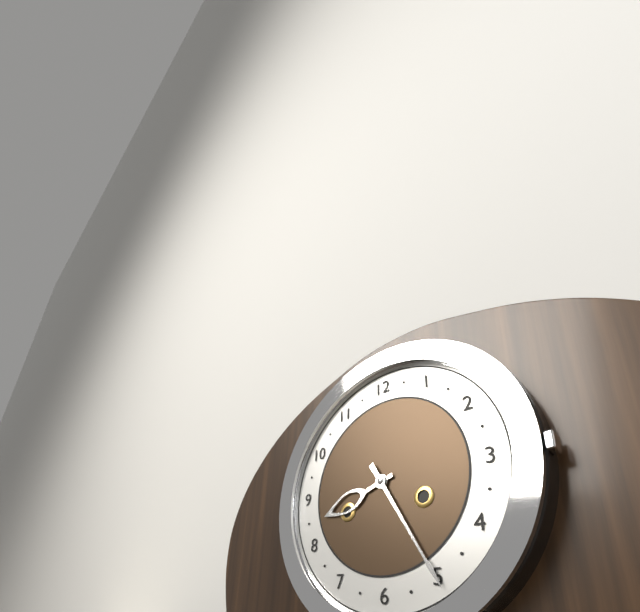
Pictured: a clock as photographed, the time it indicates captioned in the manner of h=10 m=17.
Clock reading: h=8 m=25
